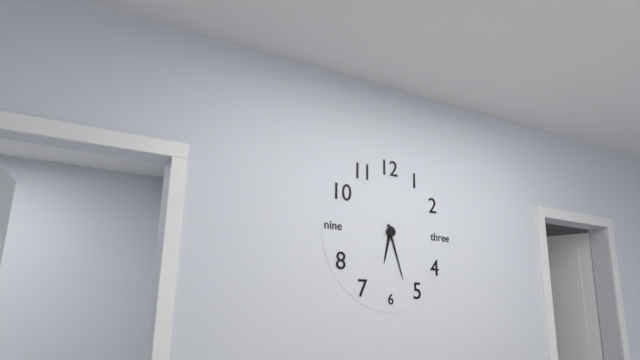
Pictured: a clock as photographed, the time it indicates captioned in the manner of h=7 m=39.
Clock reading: h=6 m=27
